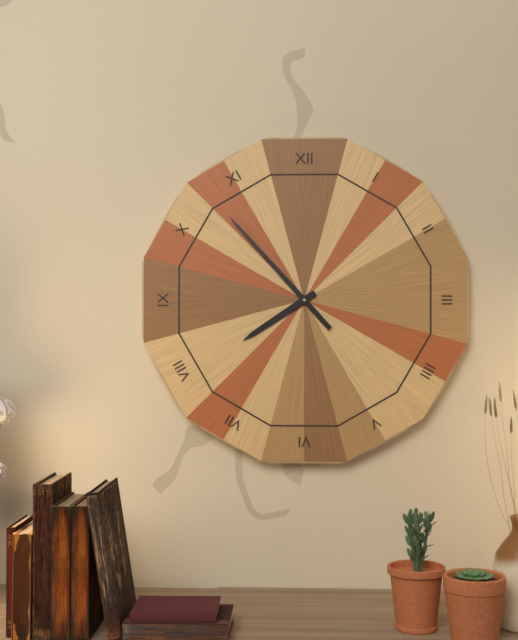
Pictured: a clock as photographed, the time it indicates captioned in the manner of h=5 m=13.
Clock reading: h=7 m=53
